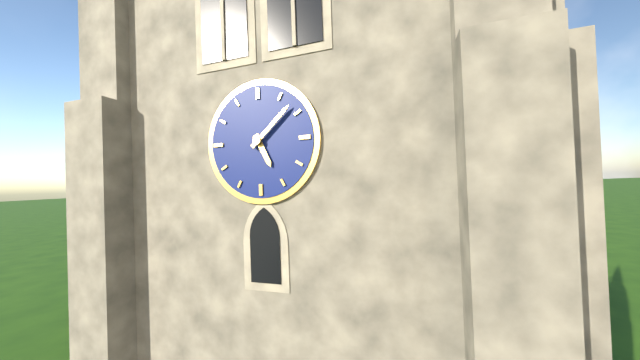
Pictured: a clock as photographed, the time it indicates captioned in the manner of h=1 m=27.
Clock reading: h=5 m=8
